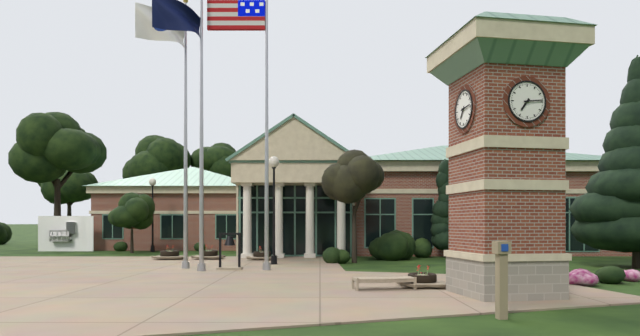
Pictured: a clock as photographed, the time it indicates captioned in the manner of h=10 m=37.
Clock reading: h=7 m=14
